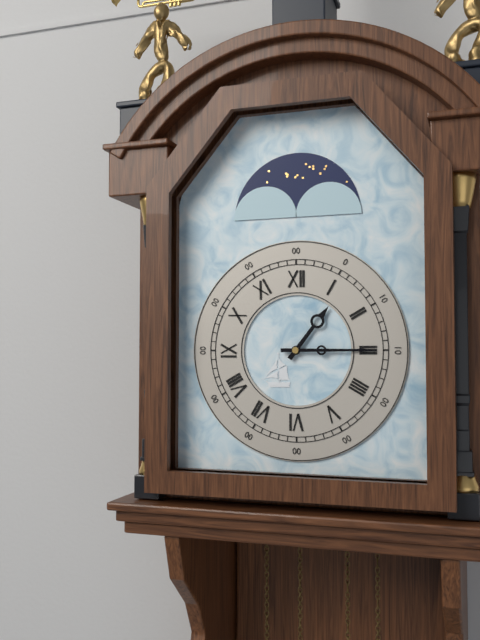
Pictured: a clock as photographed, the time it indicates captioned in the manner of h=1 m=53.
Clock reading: h=1 m=15
